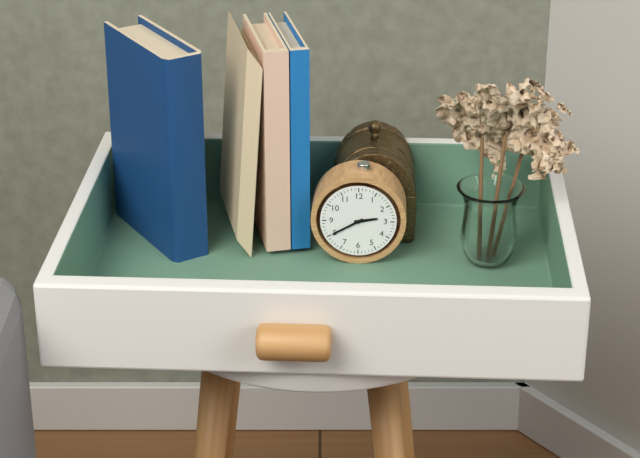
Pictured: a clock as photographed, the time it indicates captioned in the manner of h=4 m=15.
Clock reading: h=2 m=40
